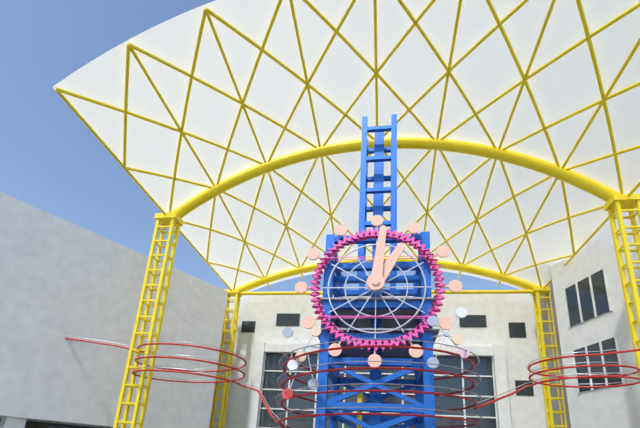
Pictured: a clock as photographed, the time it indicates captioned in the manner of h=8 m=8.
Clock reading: h=1 m=1
